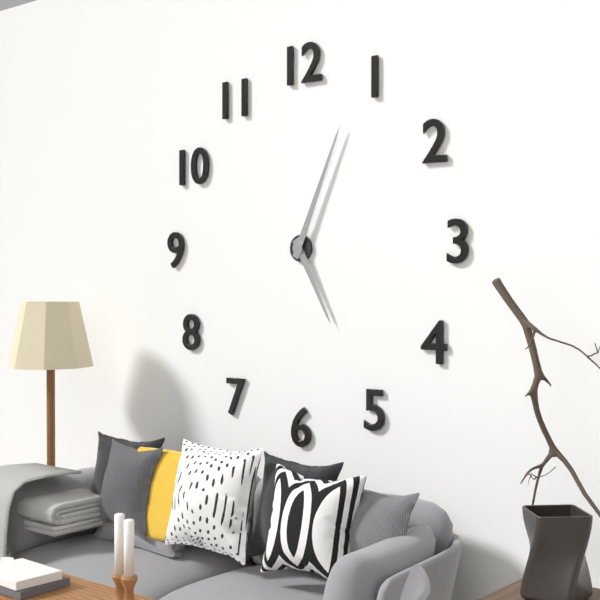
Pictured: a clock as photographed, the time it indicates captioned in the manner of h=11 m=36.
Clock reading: h=5 m=4
